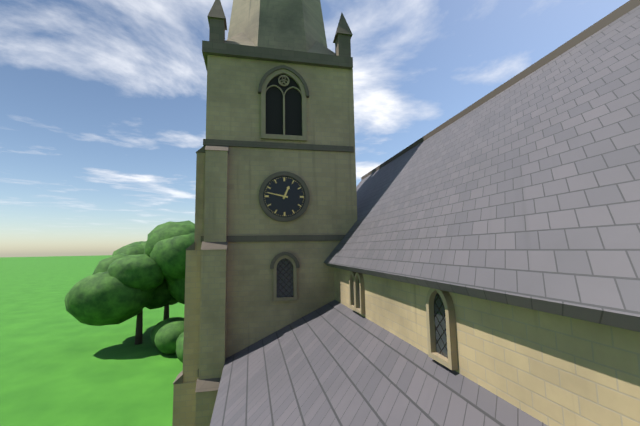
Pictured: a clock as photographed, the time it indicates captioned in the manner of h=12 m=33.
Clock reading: h=12 m=47
